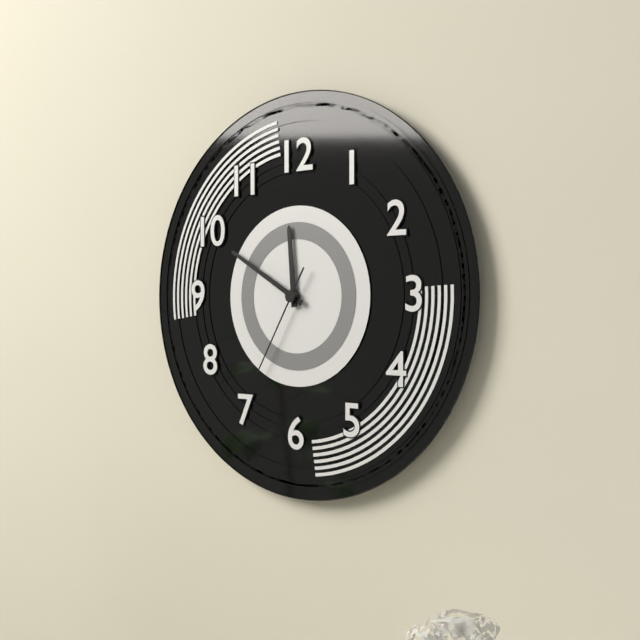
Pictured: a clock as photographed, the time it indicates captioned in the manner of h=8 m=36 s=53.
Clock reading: h=11 m=50 s=35
